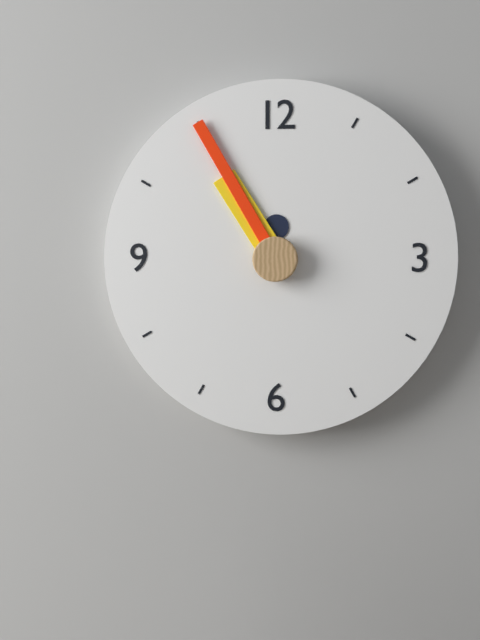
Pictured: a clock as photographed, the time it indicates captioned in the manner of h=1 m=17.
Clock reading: h=10 m=55
